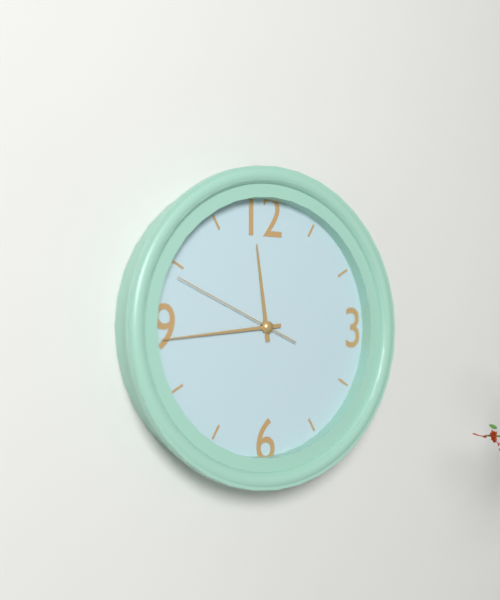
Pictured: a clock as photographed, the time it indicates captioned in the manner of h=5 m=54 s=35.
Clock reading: h=11 m=44 s=49
